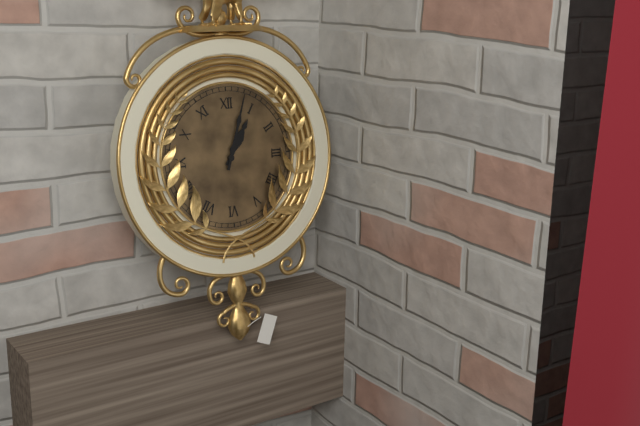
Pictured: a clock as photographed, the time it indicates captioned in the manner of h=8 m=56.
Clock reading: h=1 m=3
